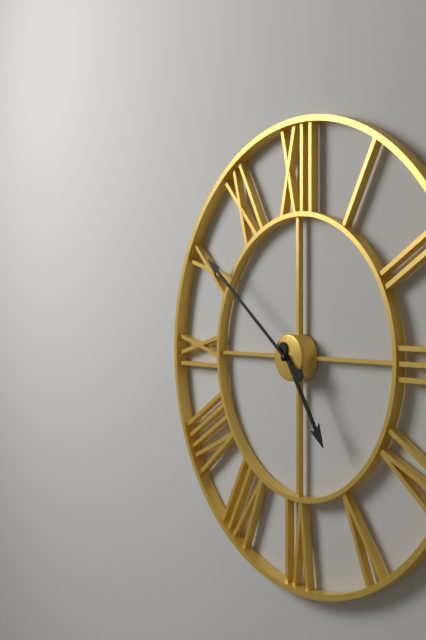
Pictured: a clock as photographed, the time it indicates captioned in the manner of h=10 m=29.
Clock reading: h=4 m=51
